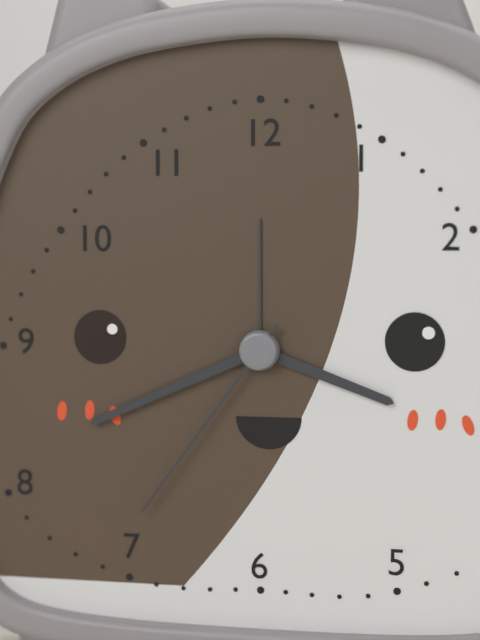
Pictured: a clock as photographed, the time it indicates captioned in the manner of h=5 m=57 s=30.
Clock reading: h=3 m=41 s=36
